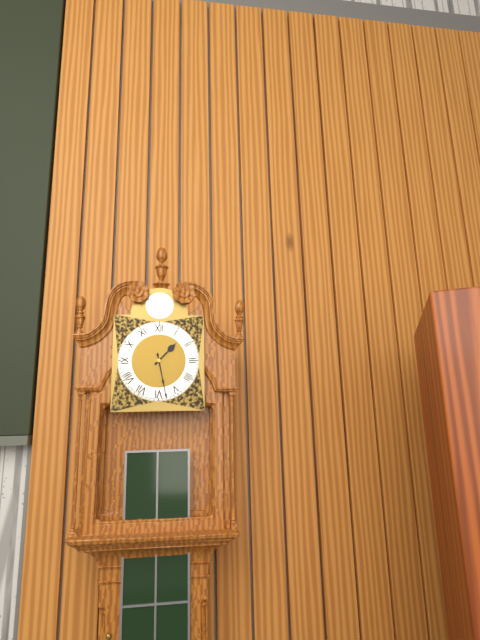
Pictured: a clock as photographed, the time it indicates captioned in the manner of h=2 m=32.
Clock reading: h=1 m=28
